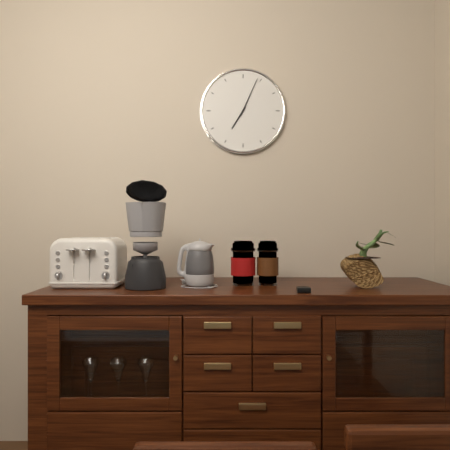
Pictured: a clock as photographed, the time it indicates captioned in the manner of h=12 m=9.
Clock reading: h=7 m=4
